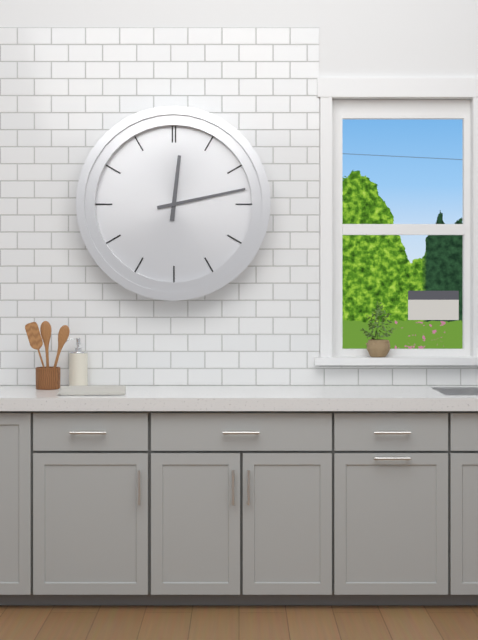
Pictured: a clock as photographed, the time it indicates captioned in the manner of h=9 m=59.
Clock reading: h=12 m=13
